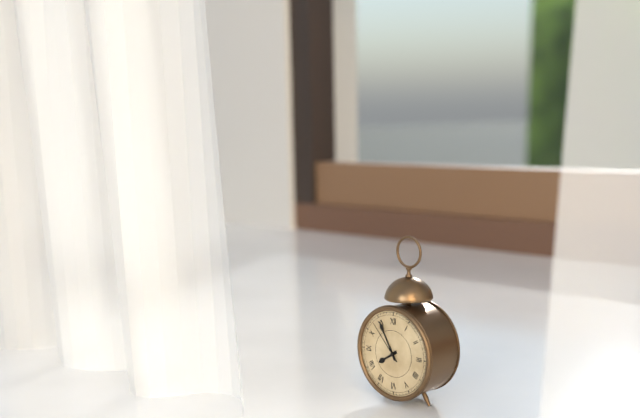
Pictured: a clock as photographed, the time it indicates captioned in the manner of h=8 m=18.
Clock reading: h=7 m=55
